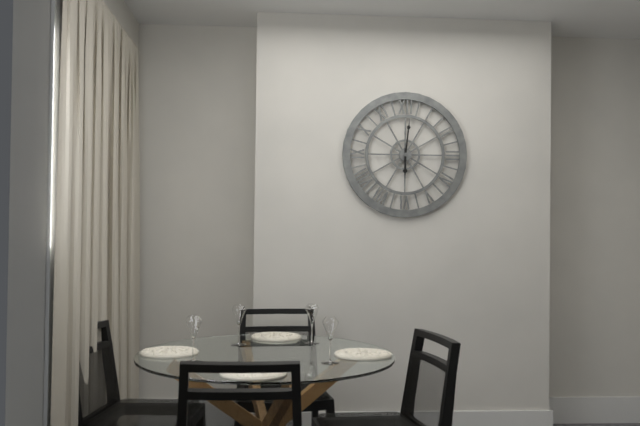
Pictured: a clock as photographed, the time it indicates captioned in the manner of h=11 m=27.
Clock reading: h=6 m=1
